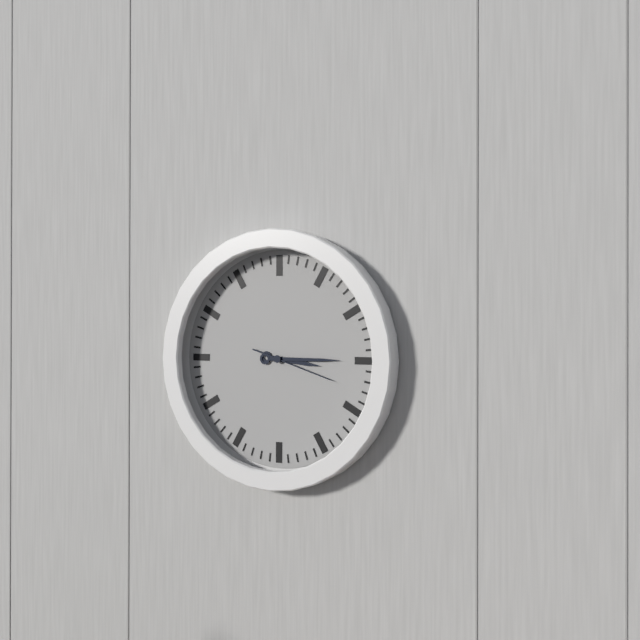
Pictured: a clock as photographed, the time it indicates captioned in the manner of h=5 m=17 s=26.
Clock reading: h=3 m=15 s=18
